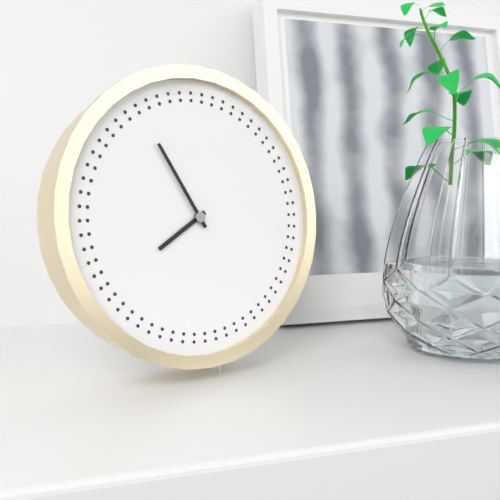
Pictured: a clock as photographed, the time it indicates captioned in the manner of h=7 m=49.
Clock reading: h=7 m=55
